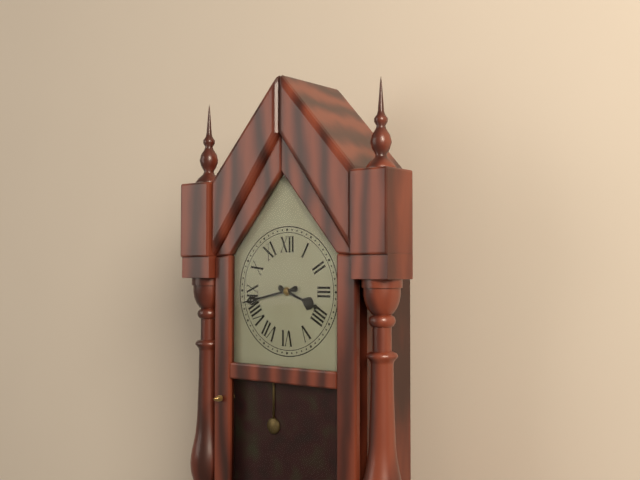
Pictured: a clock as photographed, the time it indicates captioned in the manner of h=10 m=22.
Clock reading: h=3 m=43
